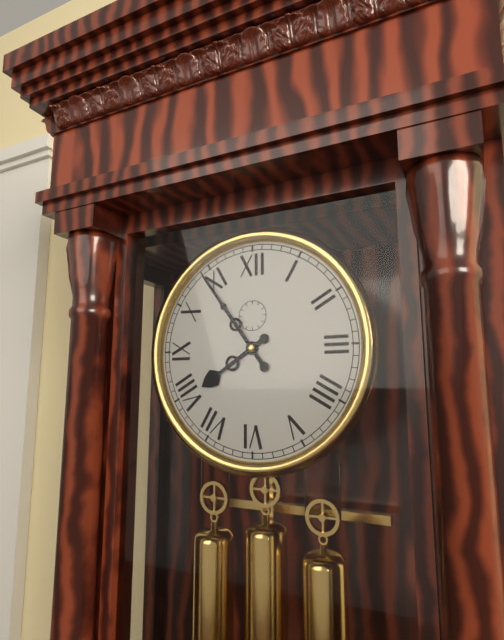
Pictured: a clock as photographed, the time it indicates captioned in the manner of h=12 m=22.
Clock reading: h=7 m=54
